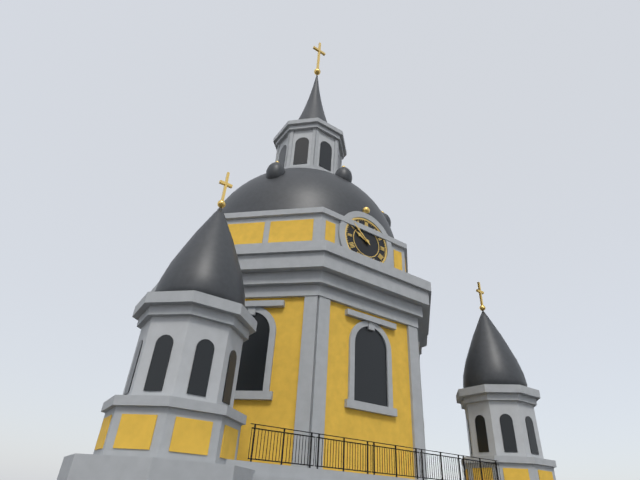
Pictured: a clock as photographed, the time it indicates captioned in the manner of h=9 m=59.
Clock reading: h=9 m=52
